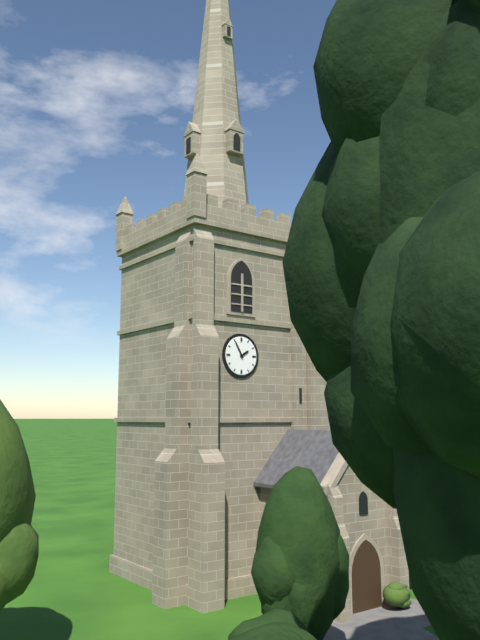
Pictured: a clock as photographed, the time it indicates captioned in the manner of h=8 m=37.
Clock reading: h=1 m=55
